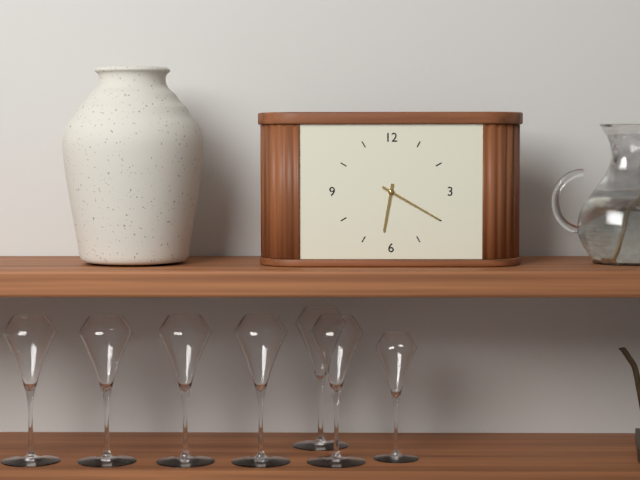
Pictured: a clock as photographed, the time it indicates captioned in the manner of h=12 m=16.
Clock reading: h=6 m=20
